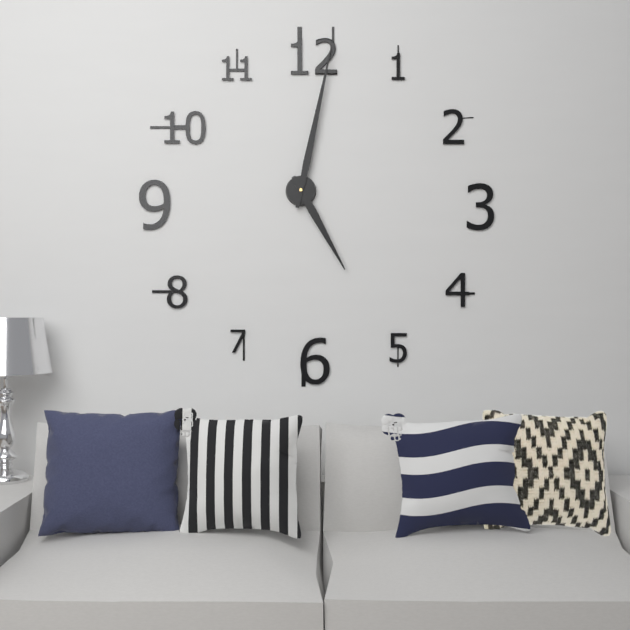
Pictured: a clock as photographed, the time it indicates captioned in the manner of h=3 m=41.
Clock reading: h=5 m=2
